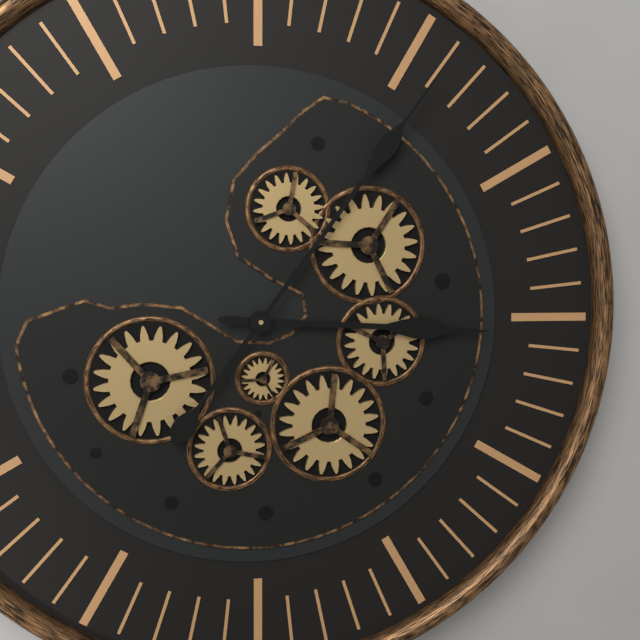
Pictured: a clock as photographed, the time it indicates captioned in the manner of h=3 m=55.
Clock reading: h=3 m=6
